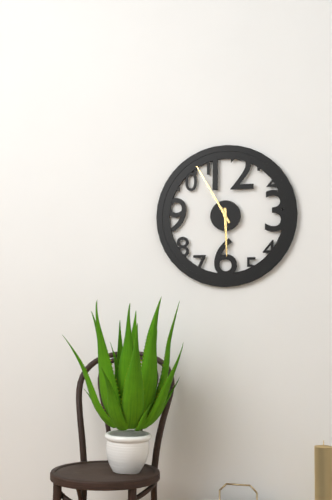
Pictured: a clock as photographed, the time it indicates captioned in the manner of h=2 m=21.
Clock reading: h=5 m=55
